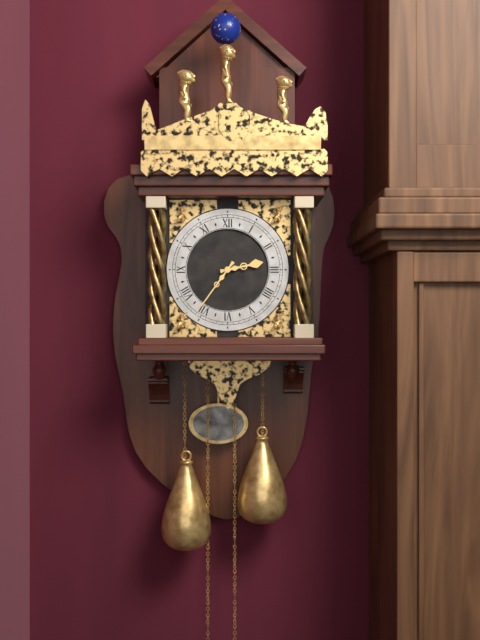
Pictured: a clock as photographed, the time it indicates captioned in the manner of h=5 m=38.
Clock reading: h=2 m=36
